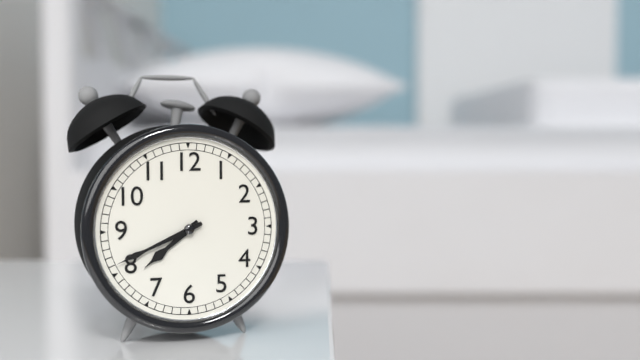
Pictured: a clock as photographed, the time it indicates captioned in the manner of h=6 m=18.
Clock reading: h=7 m=41
